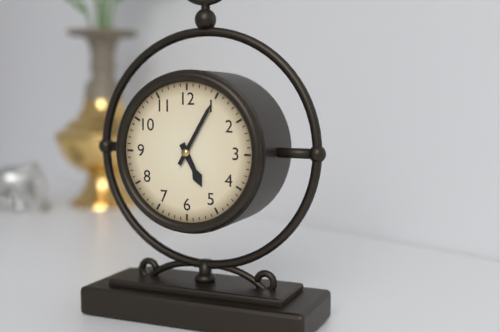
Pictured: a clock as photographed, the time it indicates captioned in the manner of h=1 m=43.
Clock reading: h=5 m=5
